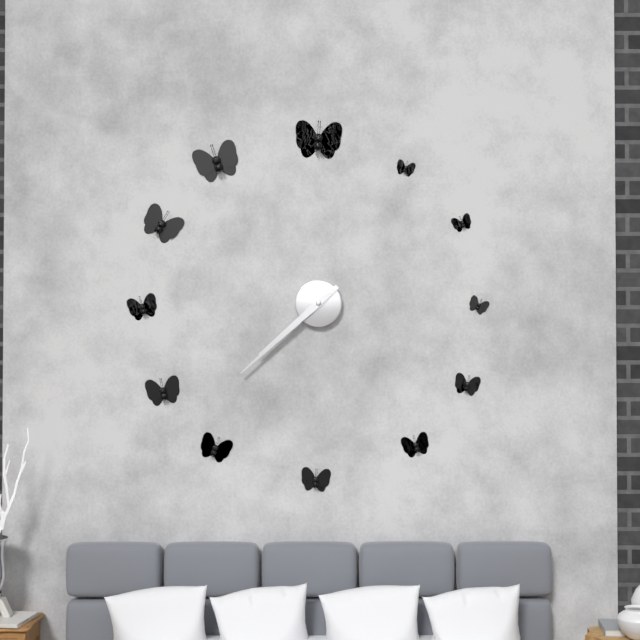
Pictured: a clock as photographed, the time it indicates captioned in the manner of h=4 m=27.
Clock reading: h=7 m=38
